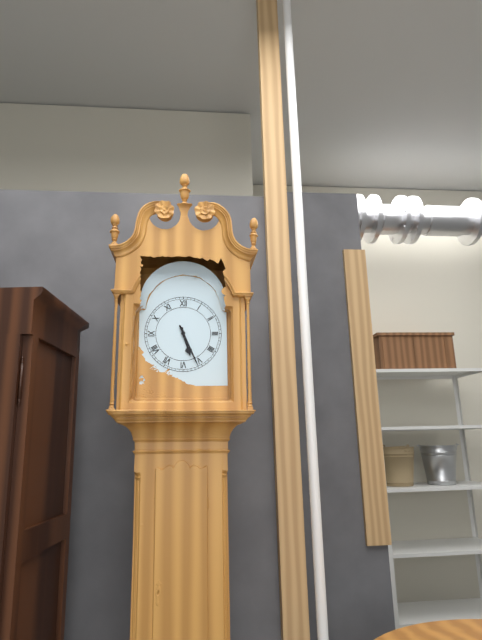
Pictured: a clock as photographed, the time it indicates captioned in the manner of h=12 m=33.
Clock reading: h=5 m=26
